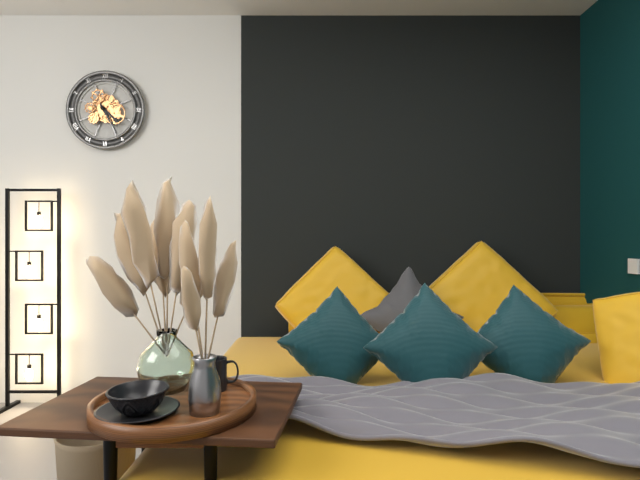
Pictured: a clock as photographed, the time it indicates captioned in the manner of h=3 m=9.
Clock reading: h=4 m=25
